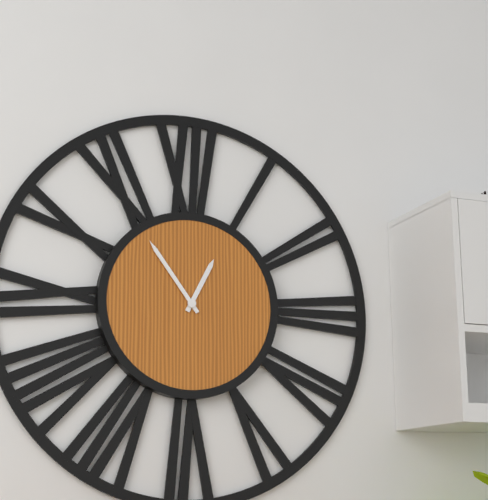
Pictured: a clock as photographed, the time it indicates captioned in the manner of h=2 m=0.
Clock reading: h=12 m=54
